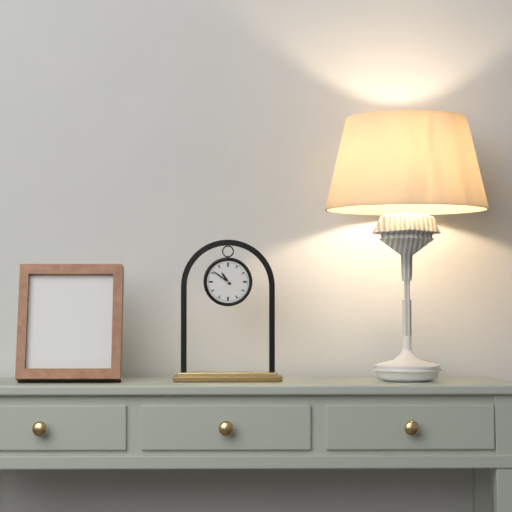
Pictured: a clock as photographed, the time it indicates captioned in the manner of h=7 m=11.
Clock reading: h=10 m=51
